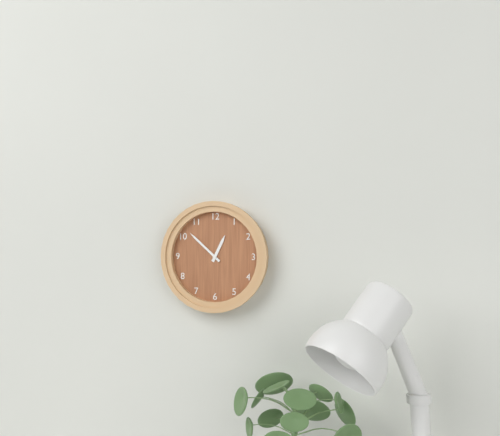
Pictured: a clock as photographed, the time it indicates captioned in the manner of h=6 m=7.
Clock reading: h=12 m=52
